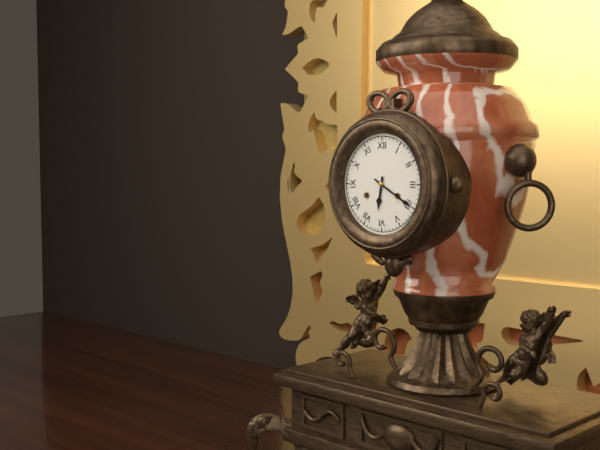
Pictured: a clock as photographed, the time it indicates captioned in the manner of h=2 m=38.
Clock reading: h=6 m=20
